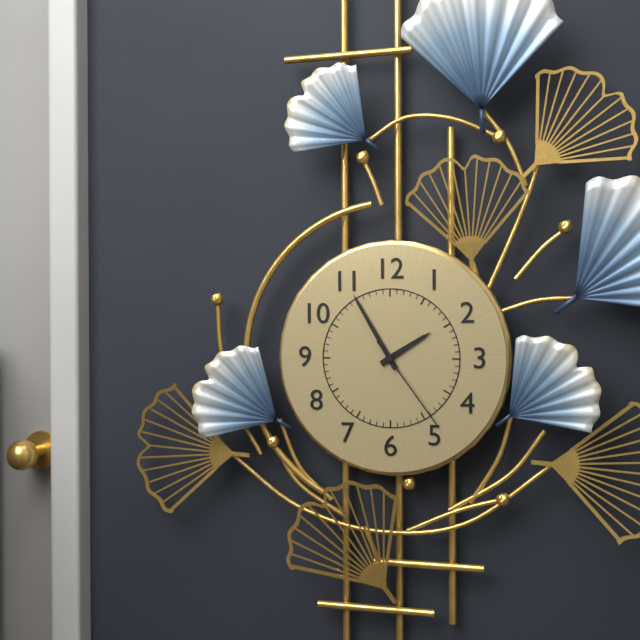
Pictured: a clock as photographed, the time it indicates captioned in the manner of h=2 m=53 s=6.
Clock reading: h=1 m=55 s=24
